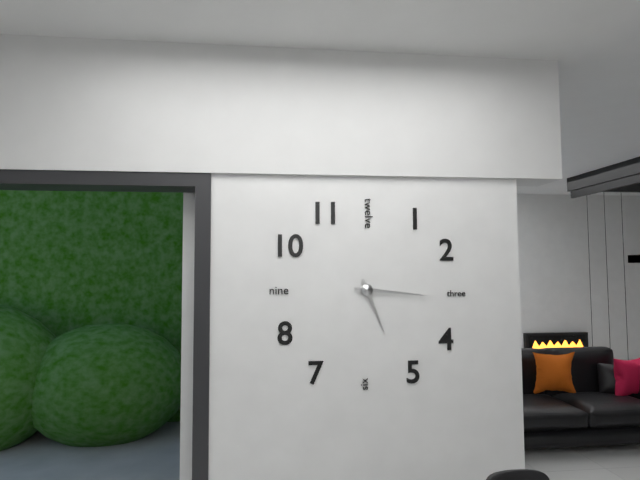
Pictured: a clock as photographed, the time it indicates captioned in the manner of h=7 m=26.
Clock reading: h=5 m=16
